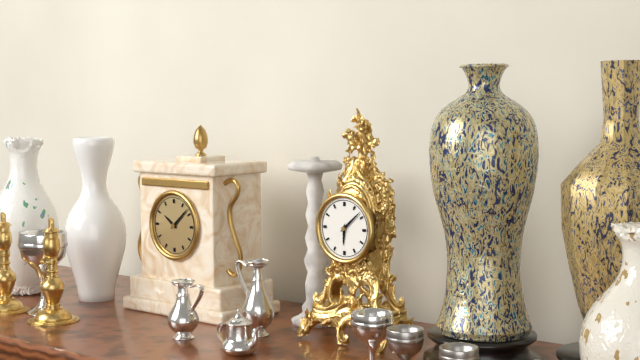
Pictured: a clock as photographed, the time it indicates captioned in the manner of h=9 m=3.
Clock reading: h=6 m=8
